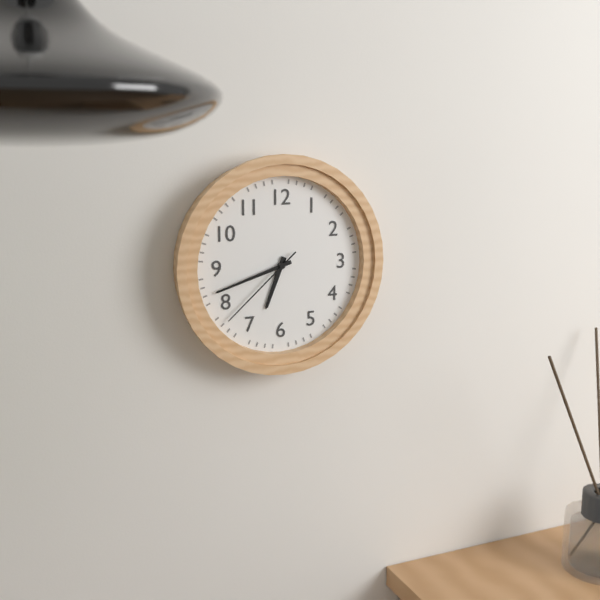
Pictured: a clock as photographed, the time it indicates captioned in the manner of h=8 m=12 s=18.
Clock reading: h=6 m=42 s=38
